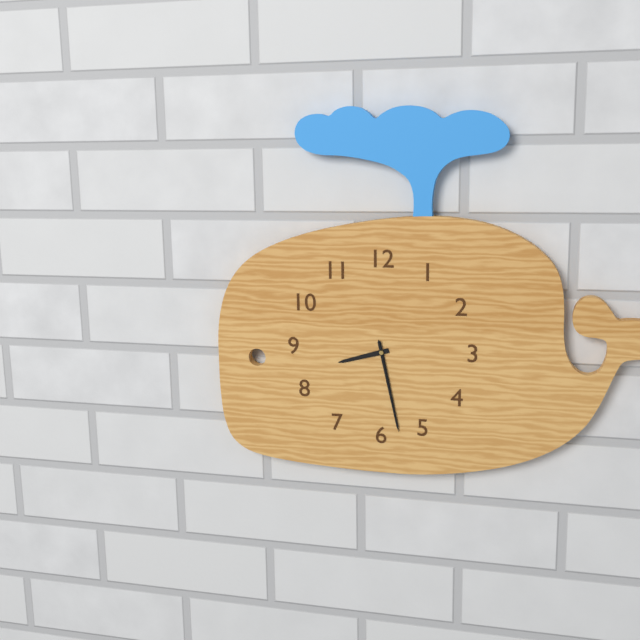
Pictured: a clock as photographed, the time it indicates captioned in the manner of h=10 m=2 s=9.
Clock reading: h=8 m=28 s=28
